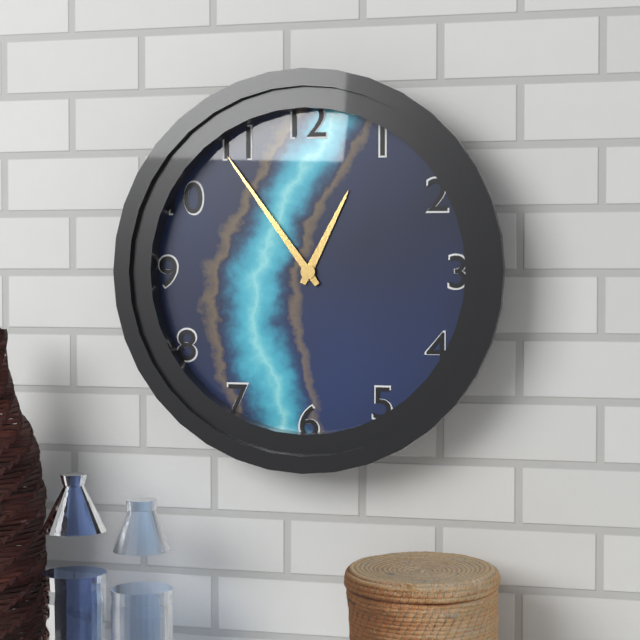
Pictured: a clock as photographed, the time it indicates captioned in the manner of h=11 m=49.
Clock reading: h=12 m=54
